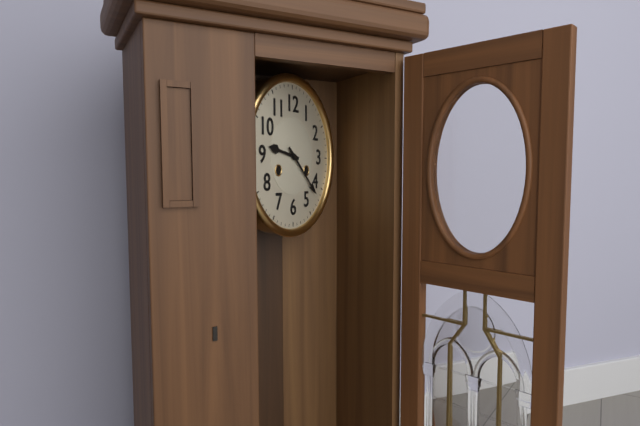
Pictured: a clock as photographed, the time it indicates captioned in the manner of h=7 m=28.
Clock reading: h=9 m=22
